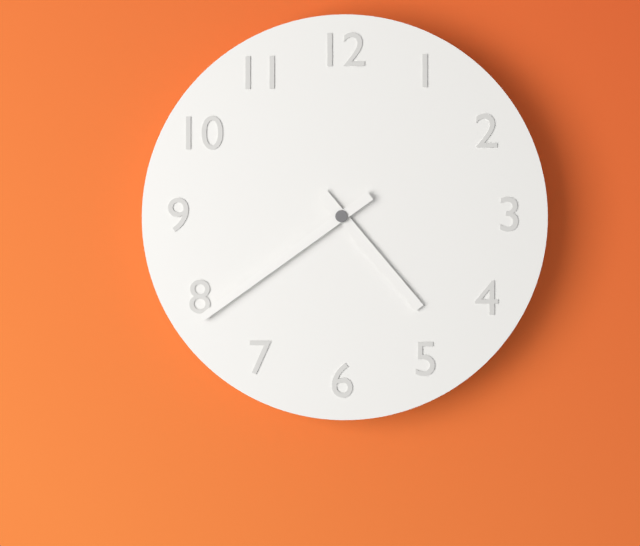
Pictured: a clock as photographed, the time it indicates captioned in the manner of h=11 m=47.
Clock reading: h=4 m=39
